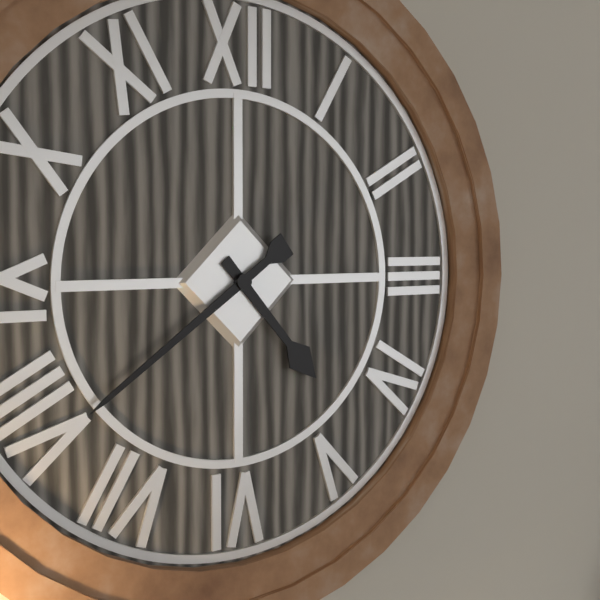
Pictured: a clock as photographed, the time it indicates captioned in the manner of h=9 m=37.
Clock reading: h=4 m=39
